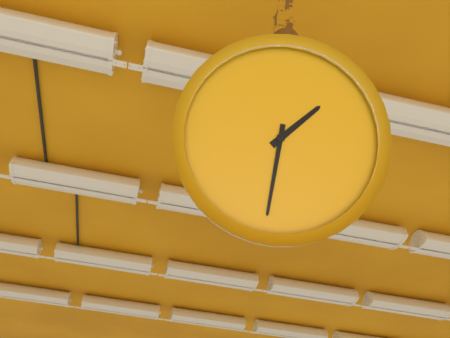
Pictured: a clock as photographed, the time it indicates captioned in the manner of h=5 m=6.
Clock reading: h=1 m=31
